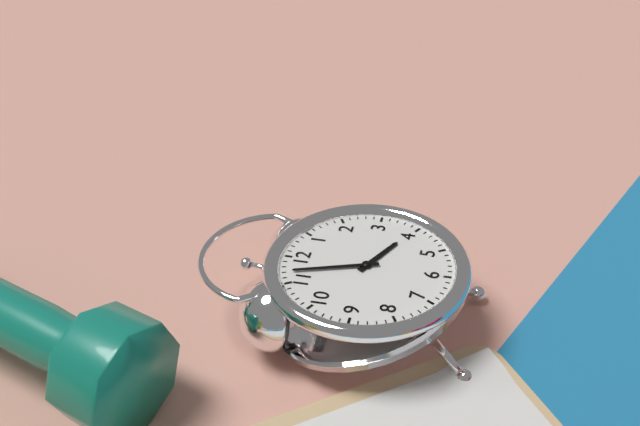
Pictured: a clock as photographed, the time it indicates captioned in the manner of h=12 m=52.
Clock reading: h=3 m=57
